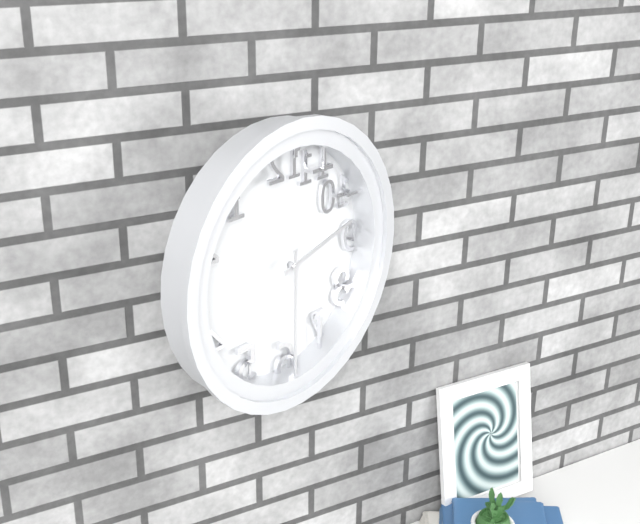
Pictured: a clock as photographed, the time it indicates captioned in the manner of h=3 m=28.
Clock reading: h=2 m=30
